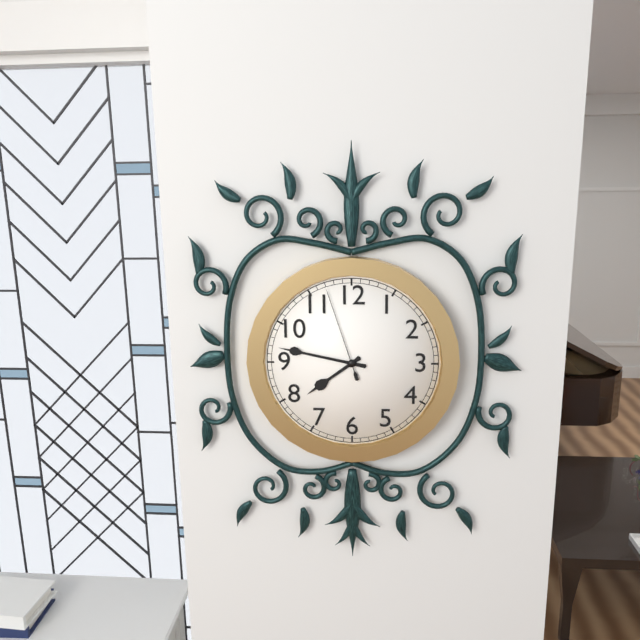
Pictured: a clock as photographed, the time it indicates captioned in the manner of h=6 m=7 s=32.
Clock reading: h=7 m=47 s=57
